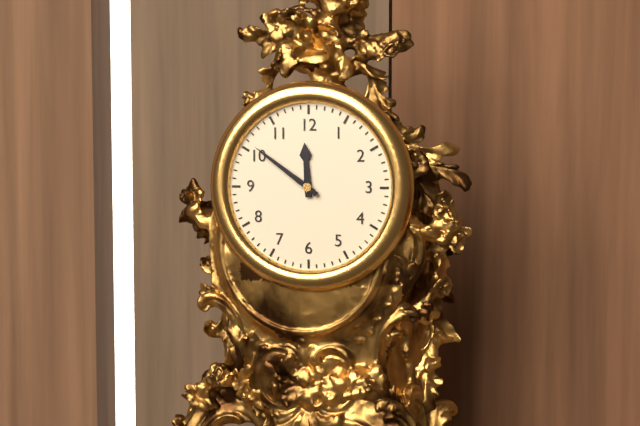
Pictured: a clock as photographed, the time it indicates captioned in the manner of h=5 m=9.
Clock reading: h=11 m=51
